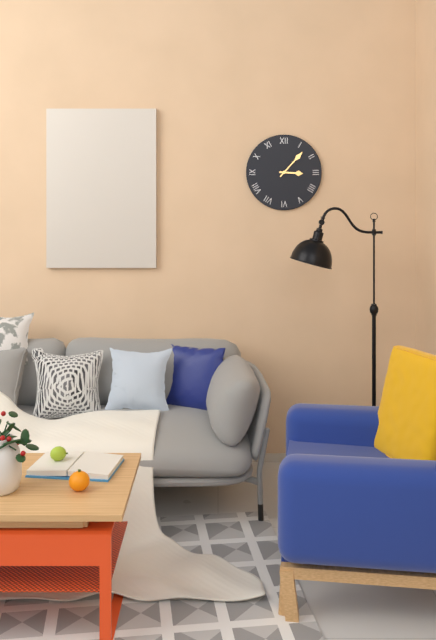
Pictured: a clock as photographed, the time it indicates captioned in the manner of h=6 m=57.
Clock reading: h=3 m=7
